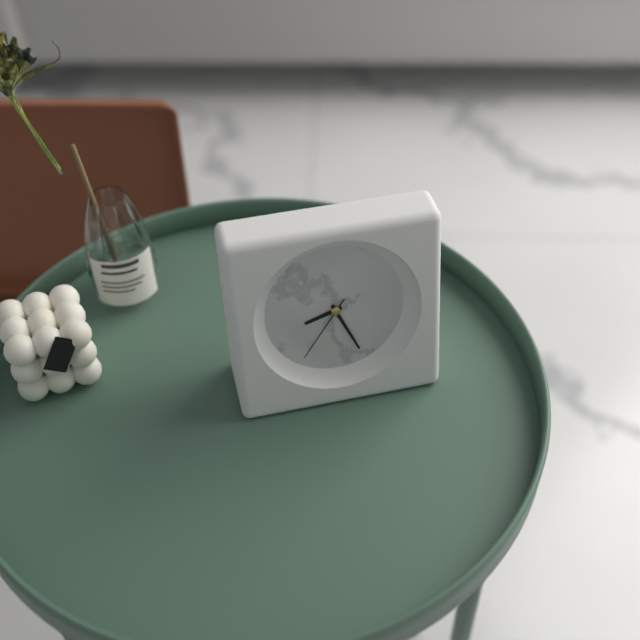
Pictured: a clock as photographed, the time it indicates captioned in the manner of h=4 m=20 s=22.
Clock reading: h=8 m=26 s=36
